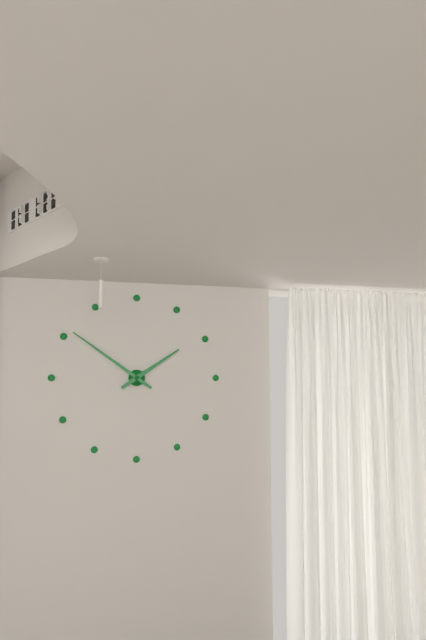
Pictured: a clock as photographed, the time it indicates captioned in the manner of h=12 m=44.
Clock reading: h=1 m=51
